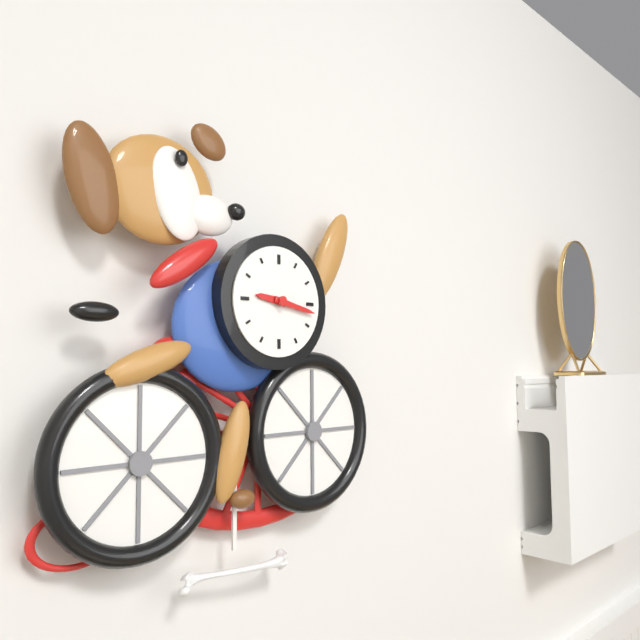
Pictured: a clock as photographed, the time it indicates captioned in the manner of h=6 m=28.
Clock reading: h=9 m=17
